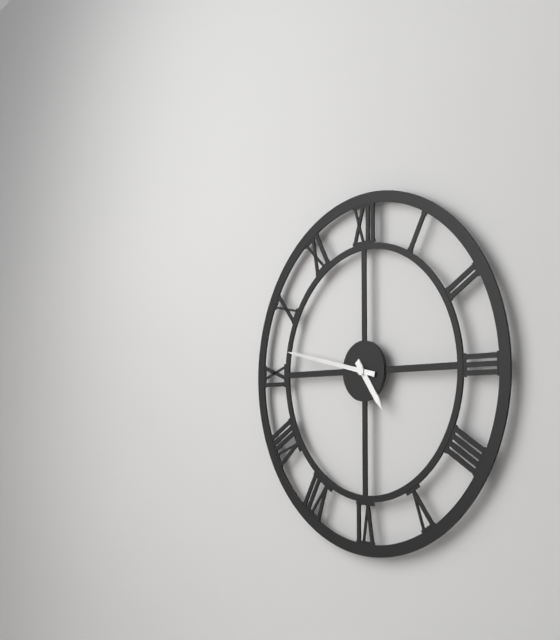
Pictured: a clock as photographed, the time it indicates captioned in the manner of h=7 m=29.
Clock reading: h=4 m=47
